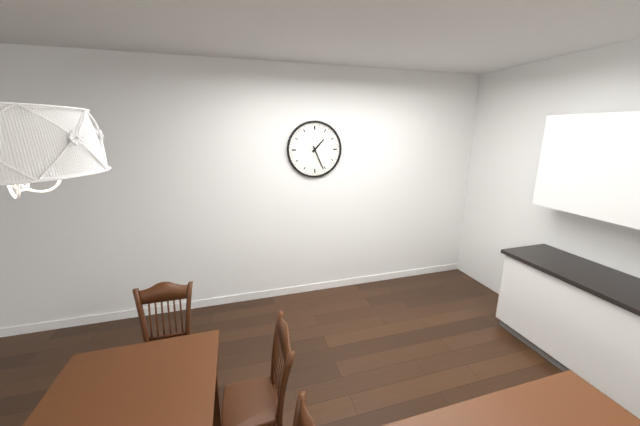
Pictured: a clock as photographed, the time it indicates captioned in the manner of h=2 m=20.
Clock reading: h=1 m=26
